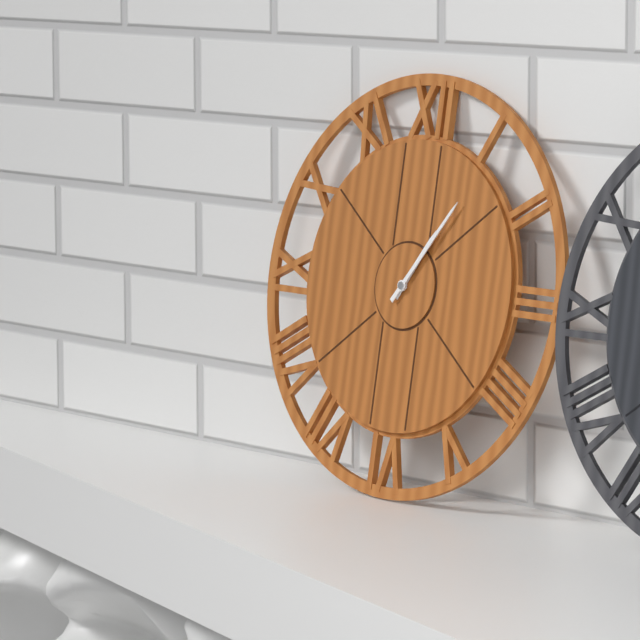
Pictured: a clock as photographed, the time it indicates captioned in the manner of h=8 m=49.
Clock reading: h=1 m=6
